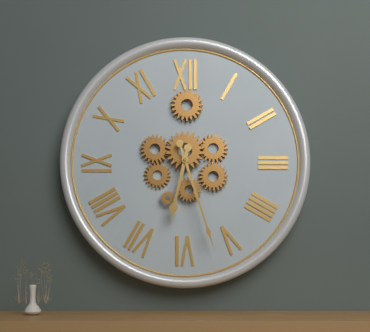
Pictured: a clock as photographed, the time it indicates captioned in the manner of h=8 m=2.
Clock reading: h=6 m=27
